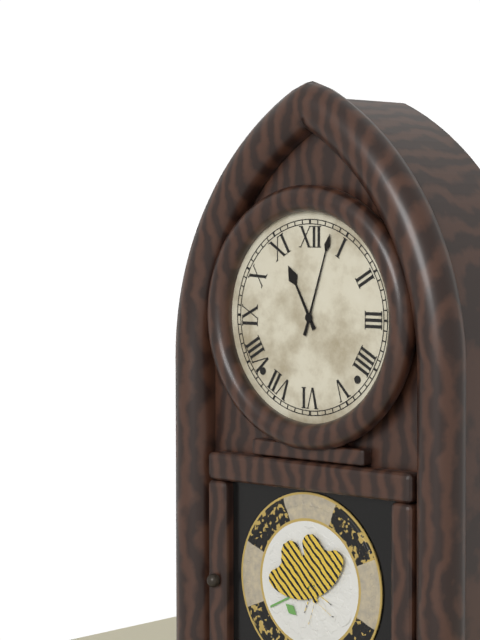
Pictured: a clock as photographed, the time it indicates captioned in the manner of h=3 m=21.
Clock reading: h=11 m=3
